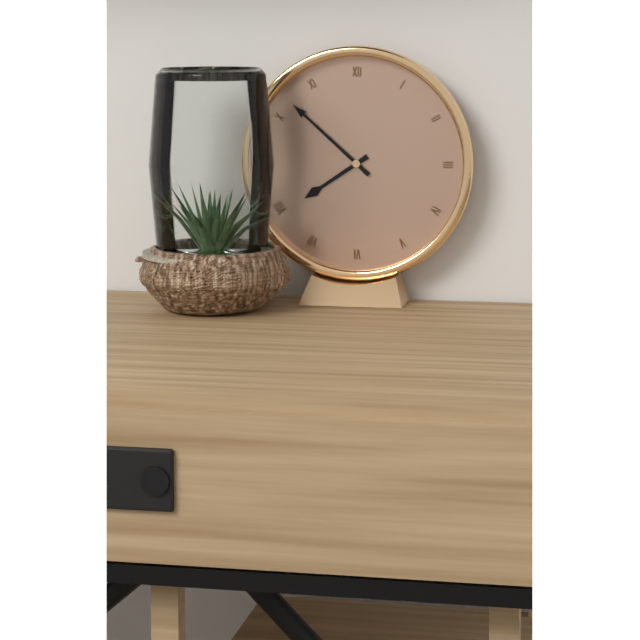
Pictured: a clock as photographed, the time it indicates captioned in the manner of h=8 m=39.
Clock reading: h=7 m=52
